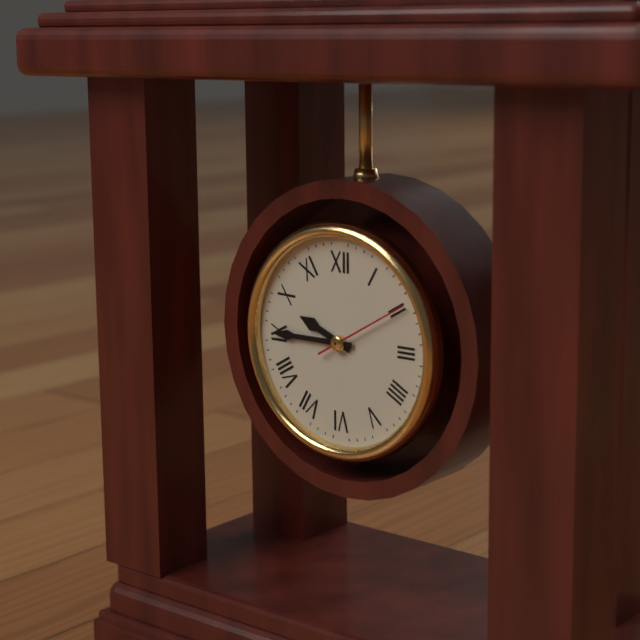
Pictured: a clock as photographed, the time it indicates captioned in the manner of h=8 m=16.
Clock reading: h=9 m=45
